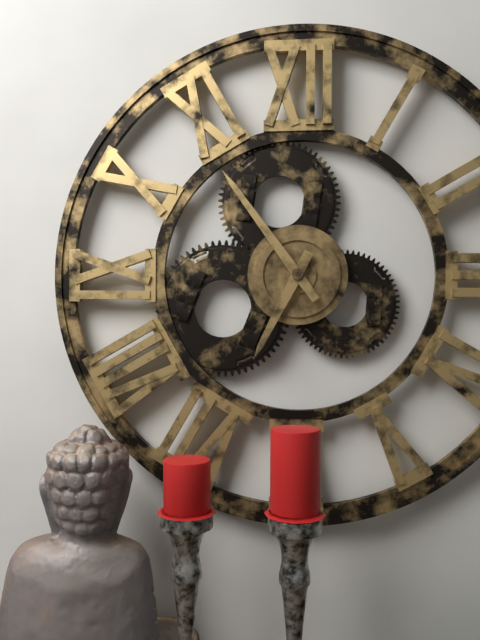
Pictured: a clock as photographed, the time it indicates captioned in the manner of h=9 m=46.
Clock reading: h=6 m=54
